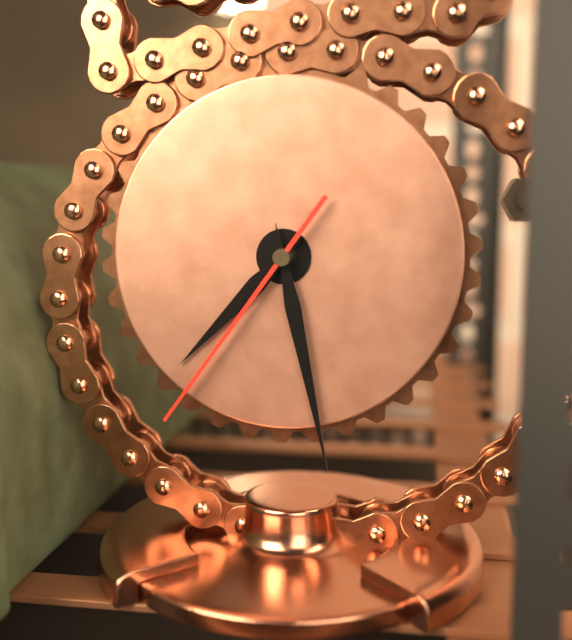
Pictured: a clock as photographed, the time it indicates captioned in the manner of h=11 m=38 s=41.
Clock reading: h=7 m=28 s=36
